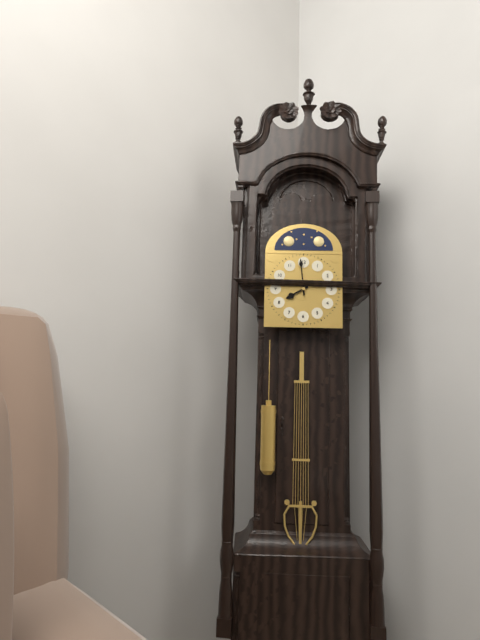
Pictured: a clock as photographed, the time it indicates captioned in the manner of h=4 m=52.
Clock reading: h=7 m=59
